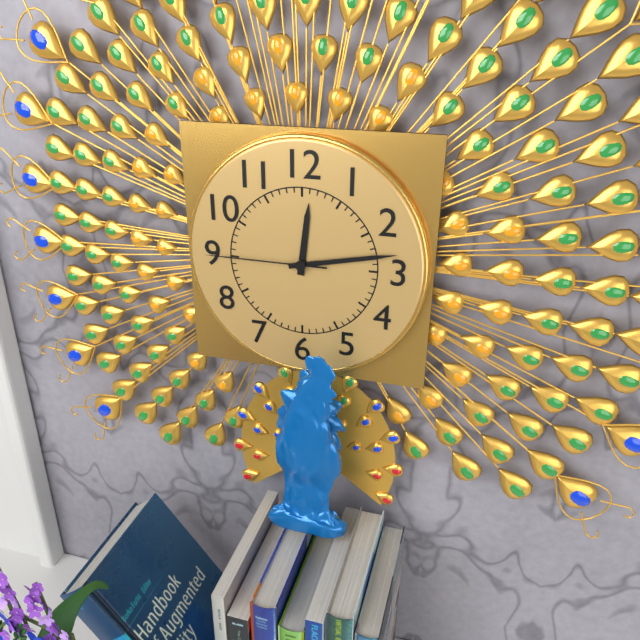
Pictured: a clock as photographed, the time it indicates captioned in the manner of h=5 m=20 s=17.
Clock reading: h=12 m=13 s=45
